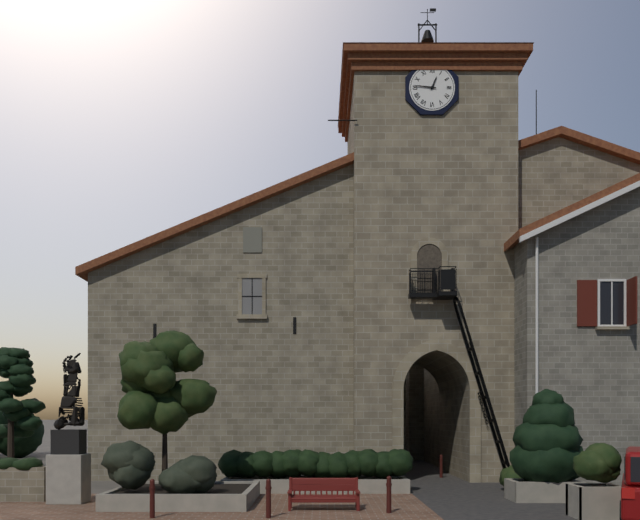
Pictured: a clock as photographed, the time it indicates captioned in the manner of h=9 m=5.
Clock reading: h=12 m=46
